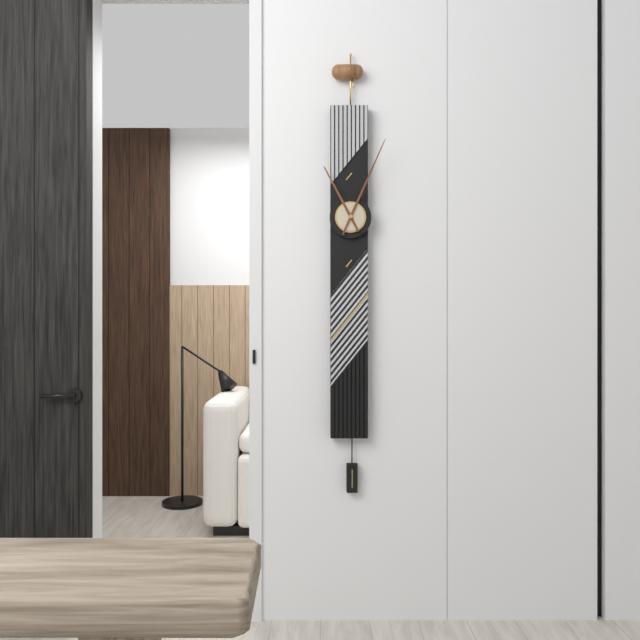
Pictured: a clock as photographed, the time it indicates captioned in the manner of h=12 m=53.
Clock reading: h=11 m=4
